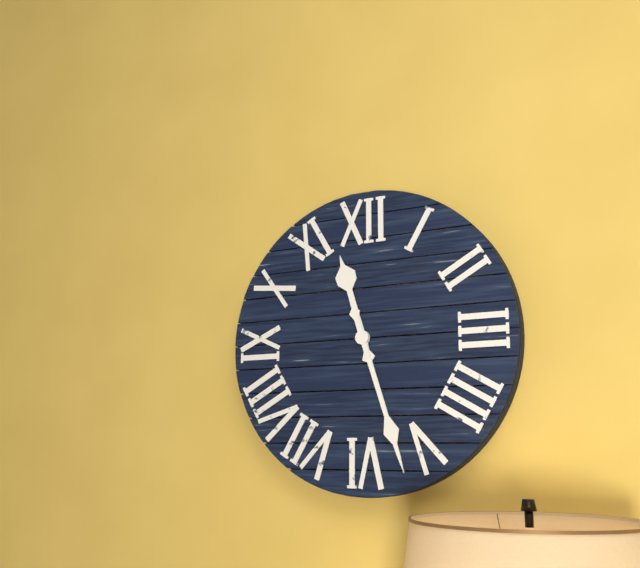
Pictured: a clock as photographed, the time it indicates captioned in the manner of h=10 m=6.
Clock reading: h=11 m=27
